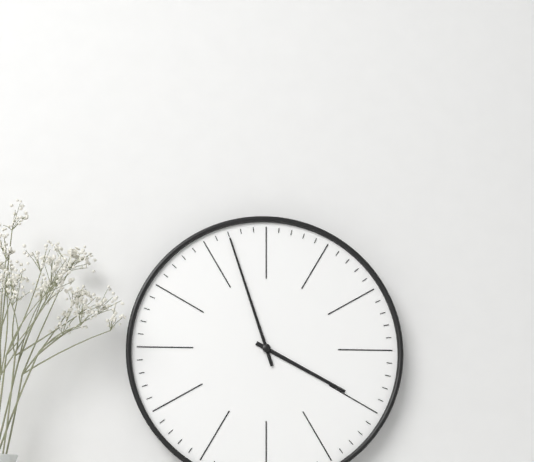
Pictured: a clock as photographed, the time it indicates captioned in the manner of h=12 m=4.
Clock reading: h=3 m=57
